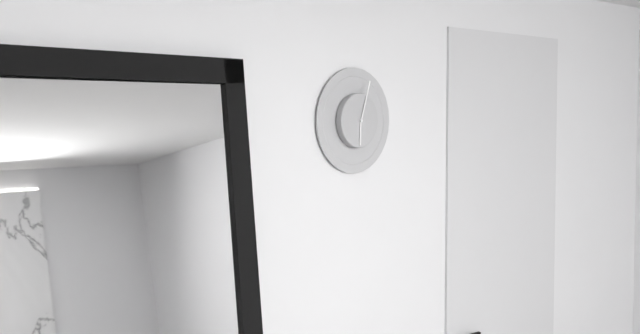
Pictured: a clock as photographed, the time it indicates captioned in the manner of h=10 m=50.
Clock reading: h=6 m=3
